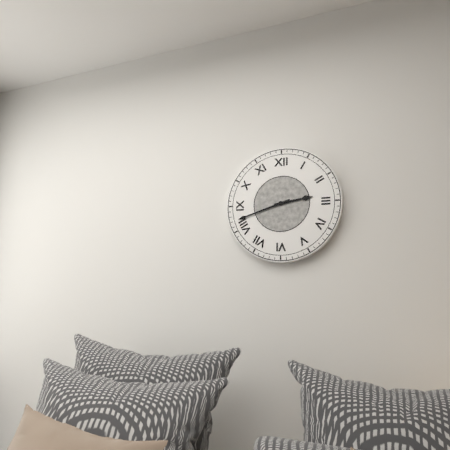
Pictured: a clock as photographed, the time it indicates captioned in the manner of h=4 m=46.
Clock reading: h=2 m=42
